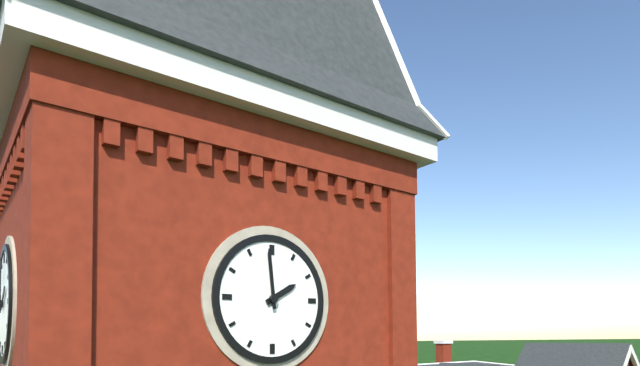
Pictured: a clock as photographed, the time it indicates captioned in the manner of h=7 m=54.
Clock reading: h=1 m=59
